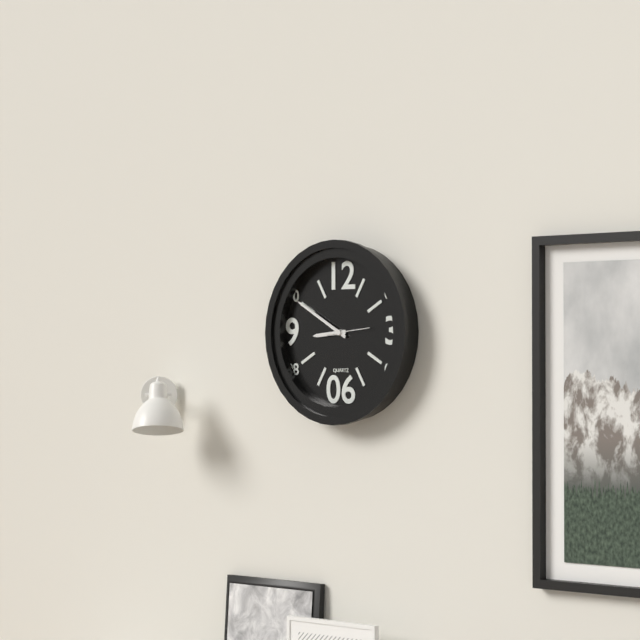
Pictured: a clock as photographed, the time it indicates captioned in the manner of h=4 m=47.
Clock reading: h=8 m=50
